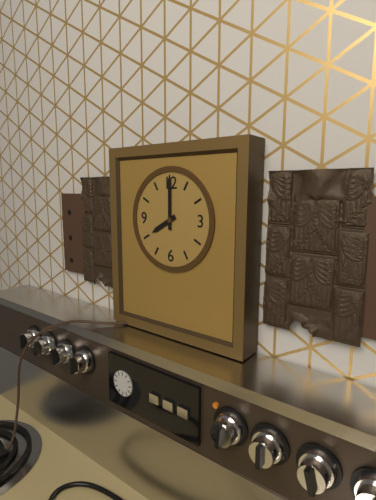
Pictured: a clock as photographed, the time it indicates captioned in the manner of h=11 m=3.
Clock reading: h=8 m=0
